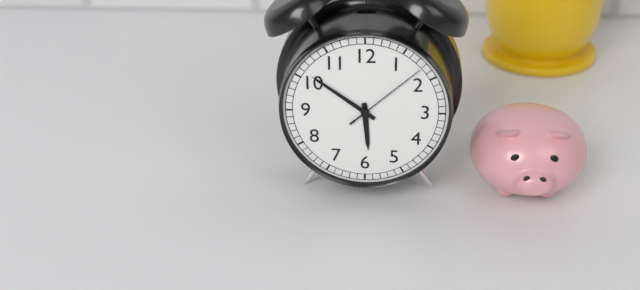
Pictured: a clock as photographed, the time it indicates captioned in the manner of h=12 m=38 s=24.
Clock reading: h=5 m=51 s=8
